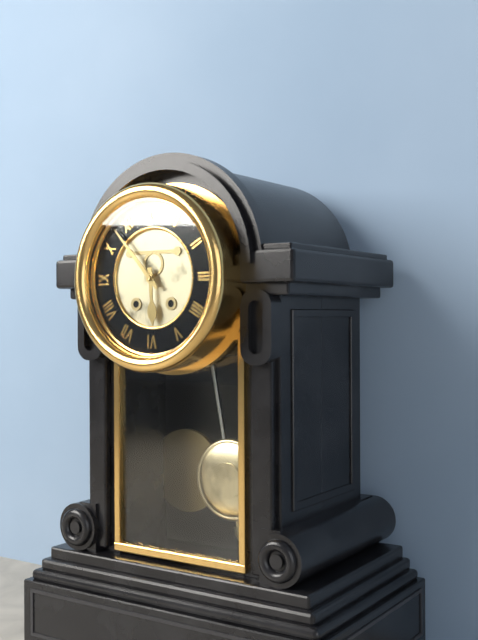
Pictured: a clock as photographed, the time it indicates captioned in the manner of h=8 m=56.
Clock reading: h=5 m=53
